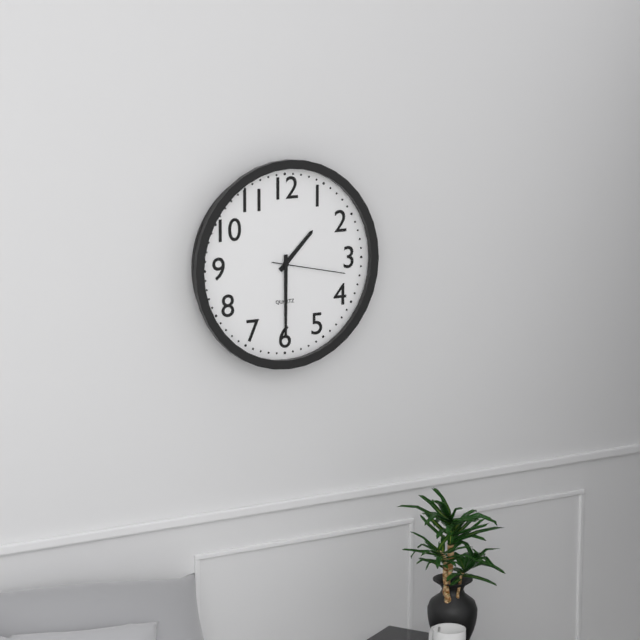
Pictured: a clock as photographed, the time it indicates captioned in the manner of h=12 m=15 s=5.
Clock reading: h=1 m=30 s=17
